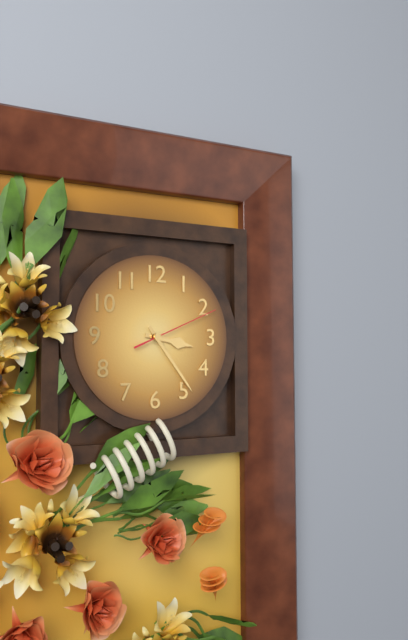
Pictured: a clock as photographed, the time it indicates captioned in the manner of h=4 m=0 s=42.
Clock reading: h=3 m=24 s=11
